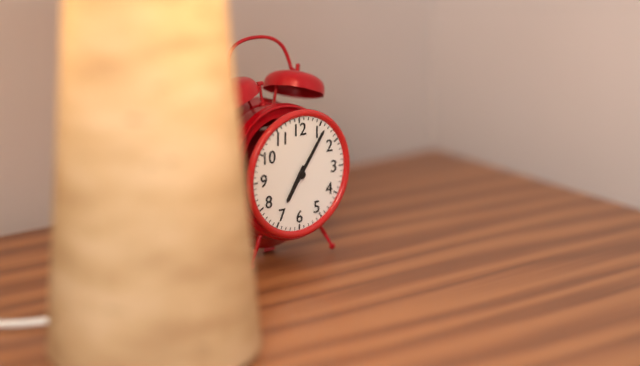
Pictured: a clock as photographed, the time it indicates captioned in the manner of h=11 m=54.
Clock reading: h=7 m=6
